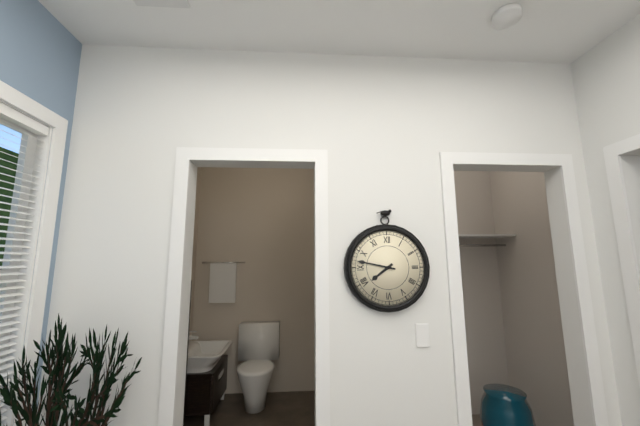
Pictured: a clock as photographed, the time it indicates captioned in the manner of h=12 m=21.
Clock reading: h=7 m=47
